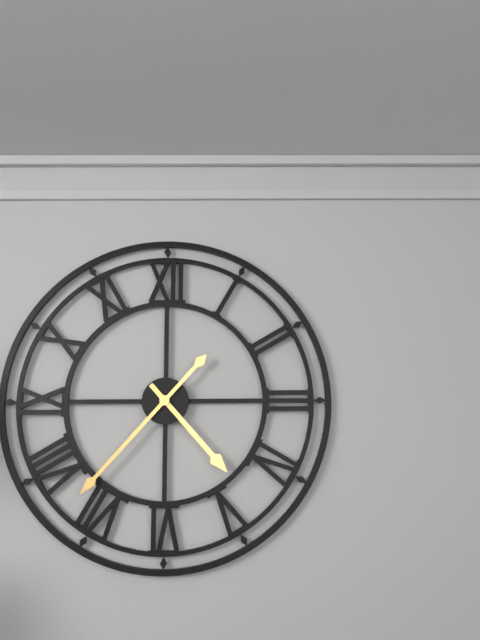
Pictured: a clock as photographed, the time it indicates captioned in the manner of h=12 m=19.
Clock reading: h=4 m=37
